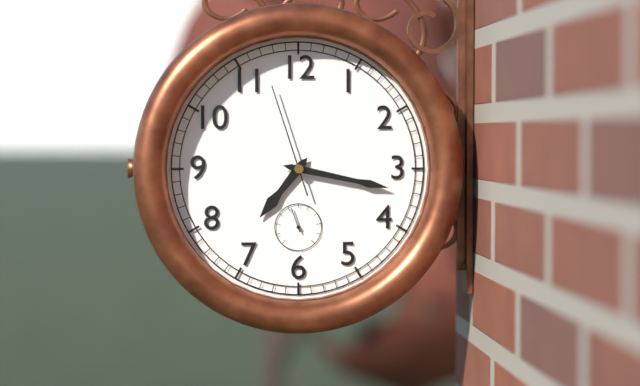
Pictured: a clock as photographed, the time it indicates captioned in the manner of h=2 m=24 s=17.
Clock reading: h=7 m=17 s=57
